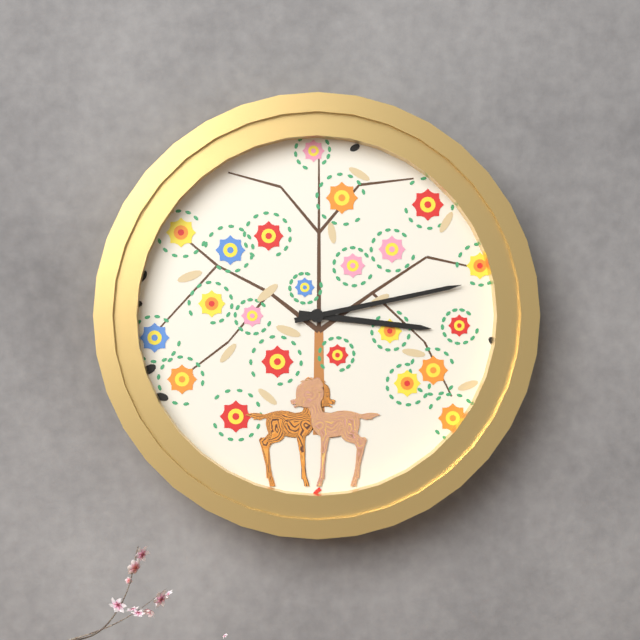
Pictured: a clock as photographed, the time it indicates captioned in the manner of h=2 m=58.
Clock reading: h=3 m=13
